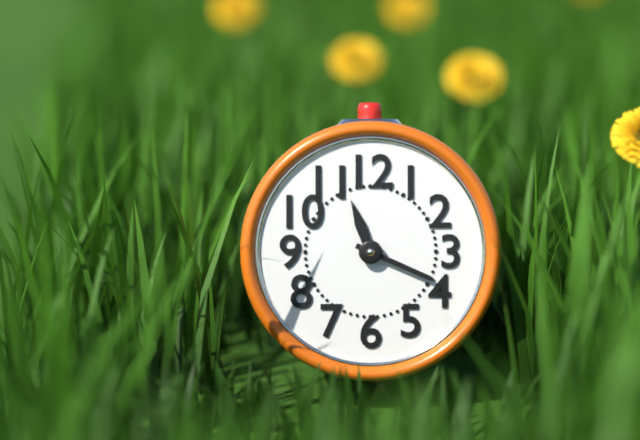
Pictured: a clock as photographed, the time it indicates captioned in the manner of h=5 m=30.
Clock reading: h=11 m=19
